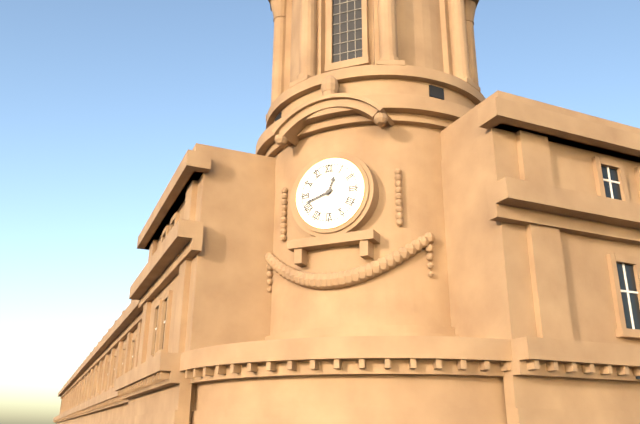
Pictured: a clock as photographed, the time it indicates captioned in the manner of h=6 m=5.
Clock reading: h=12 m=42
